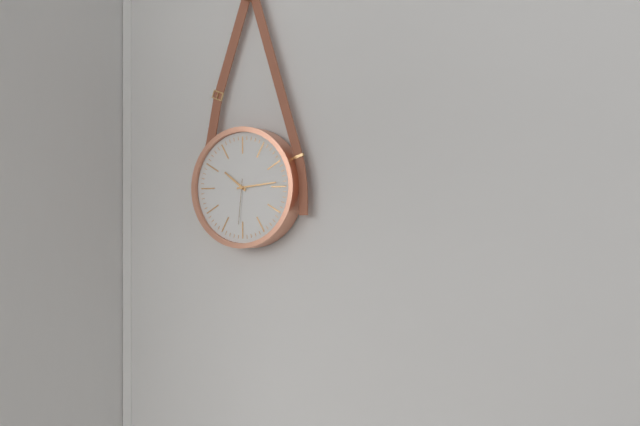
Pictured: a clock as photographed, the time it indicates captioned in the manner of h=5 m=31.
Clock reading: h=10 m=14
